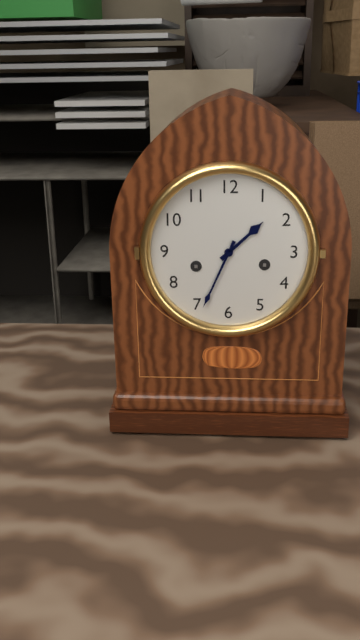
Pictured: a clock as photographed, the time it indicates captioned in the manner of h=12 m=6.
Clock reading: h=1 m=34
